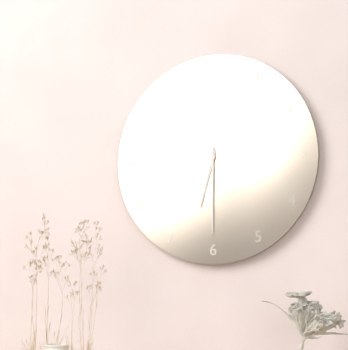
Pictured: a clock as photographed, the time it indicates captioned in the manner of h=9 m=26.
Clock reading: h=6 m=30
